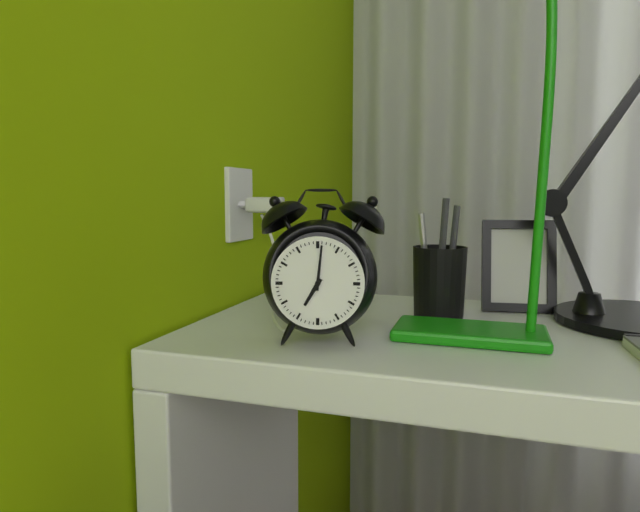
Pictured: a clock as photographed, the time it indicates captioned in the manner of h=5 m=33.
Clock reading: h=7 m=1
